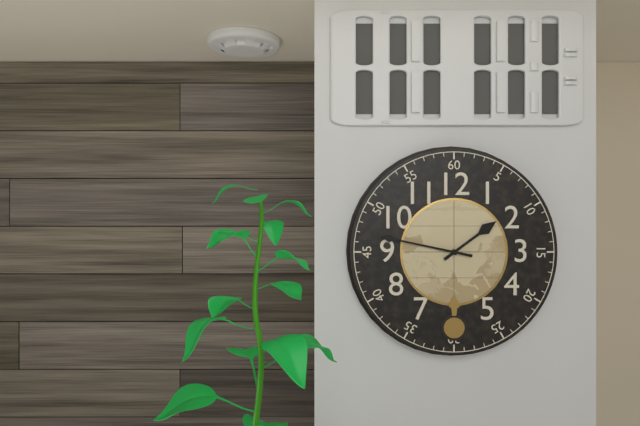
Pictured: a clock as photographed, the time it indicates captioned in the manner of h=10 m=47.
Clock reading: h=1 m=47
